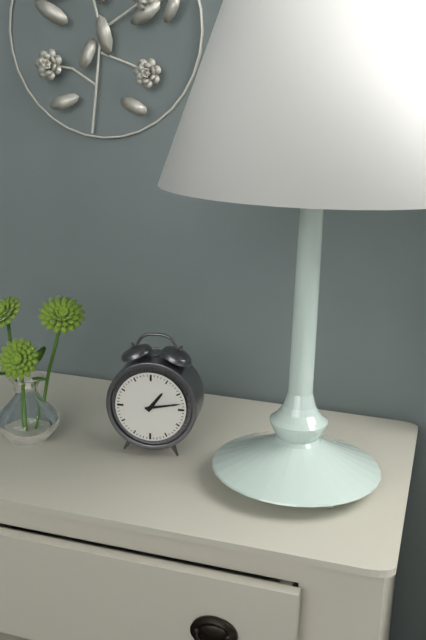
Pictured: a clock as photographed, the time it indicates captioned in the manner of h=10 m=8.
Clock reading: h=1 m=13
